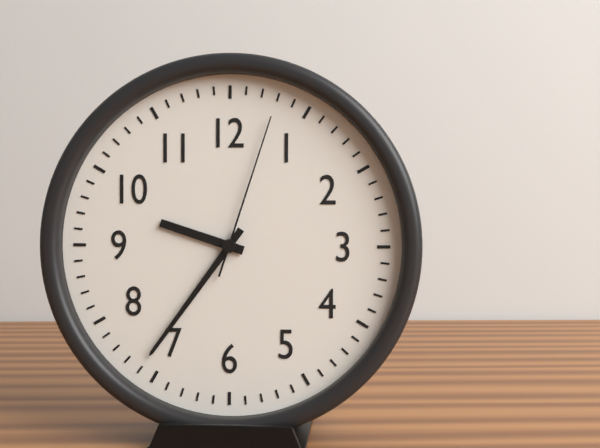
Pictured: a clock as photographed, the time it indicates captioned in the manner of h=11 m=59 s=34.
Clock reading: h=9 m=36 s=3
